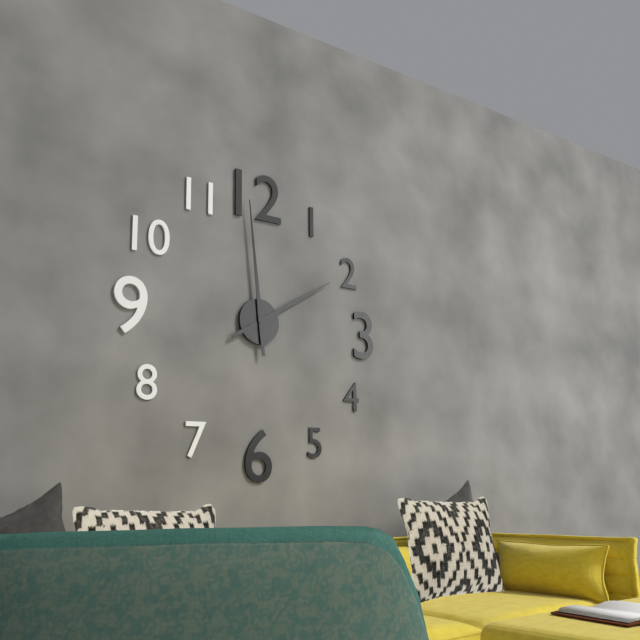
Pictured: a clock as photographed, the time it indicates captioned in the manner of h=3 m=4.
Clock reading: h=1 m=59
